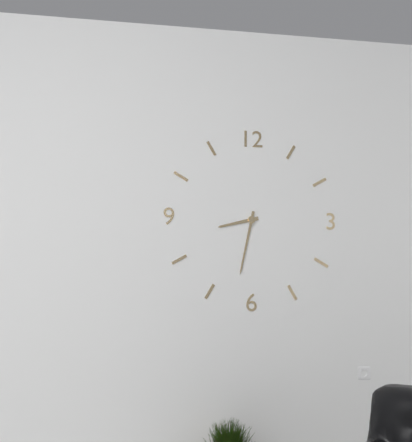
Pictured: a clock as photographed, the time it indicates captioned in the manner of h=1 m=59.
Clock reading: h=8 m=32
